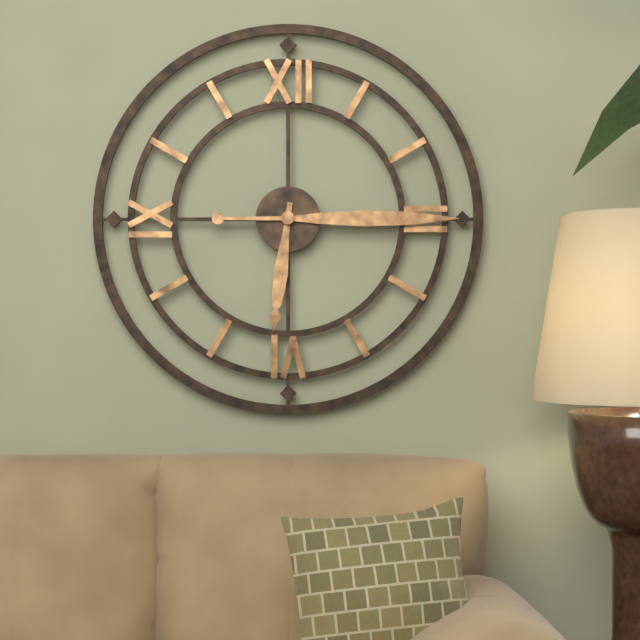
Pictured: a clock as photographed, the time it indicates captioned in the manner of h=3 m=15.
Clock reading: h=6 m=15
